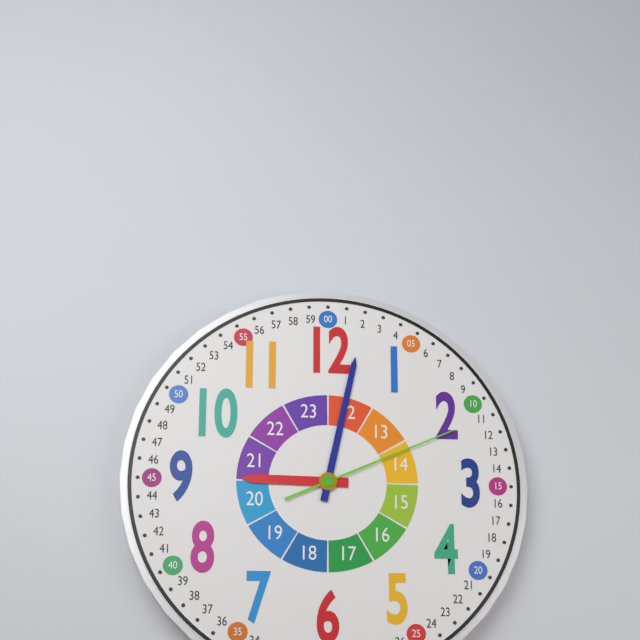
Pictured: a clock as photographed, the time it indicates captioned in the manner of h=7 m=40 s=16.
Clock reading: h=9 m=2 s=11
